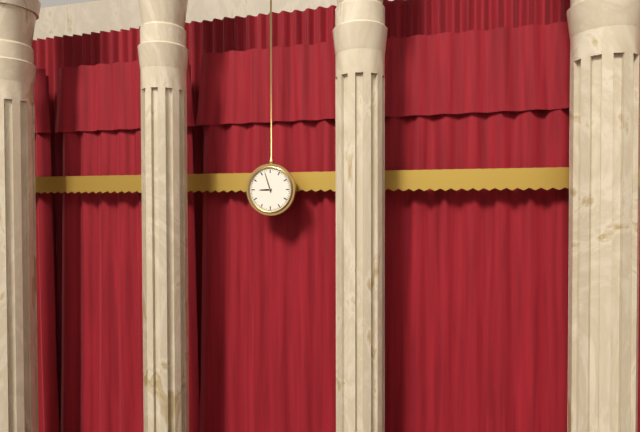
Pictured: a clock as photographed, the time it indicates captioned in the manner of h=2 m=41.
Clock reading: h=8 m=57
